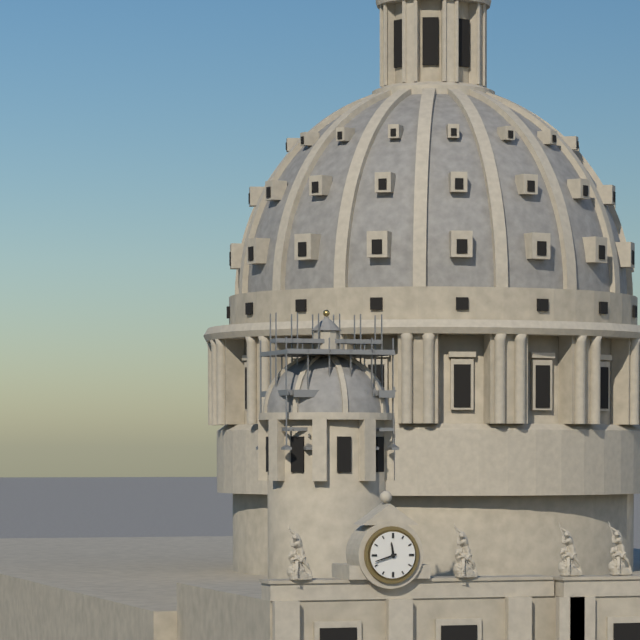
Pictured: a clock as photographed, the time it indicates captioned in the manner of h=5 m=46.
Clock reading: h=11 m=42
